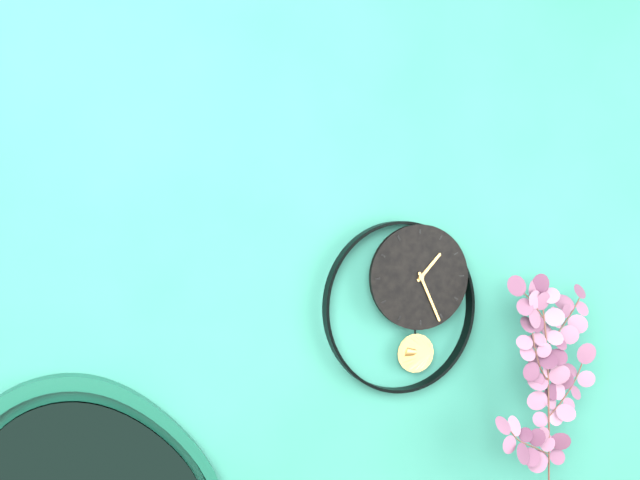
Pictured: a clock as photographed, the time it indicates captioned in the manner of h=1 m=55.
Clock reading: h=1 m=26
